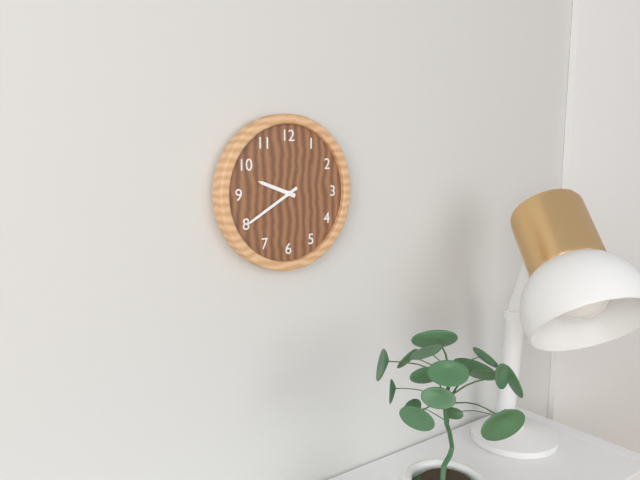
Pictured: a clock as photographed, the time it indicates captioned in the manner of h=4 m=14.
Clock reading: h=9 m=40
